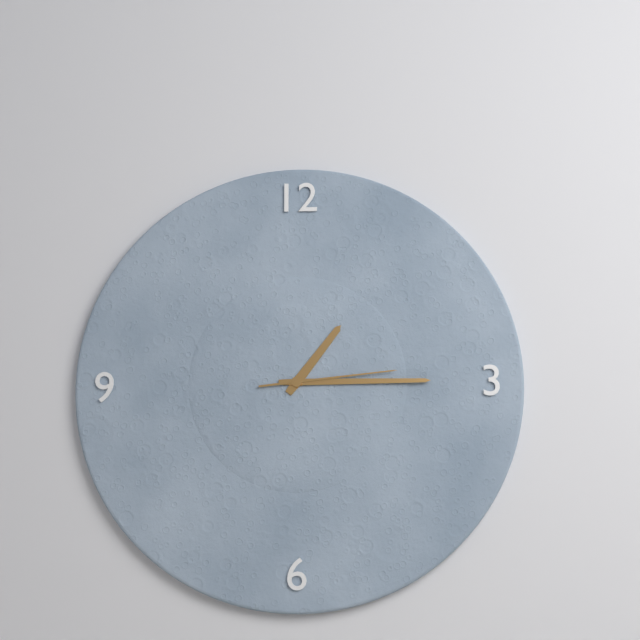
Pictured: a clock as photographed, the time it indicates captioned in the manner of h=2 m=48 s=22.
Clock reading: h=1 m=15 s=14
